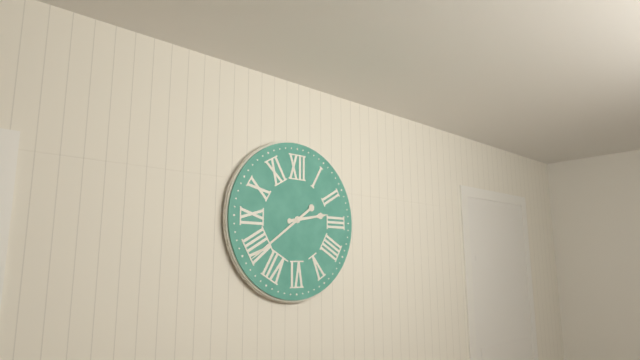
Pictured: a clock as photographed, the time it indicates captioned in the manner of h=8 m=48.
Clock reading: h=2 m=39
